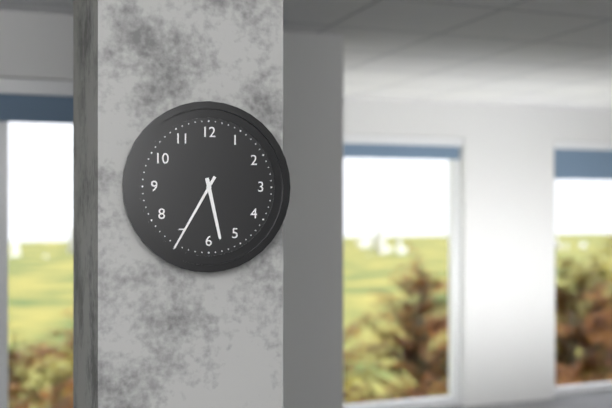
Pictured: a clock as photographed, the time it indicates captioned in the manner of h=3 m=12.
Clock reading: h=5 m=35
